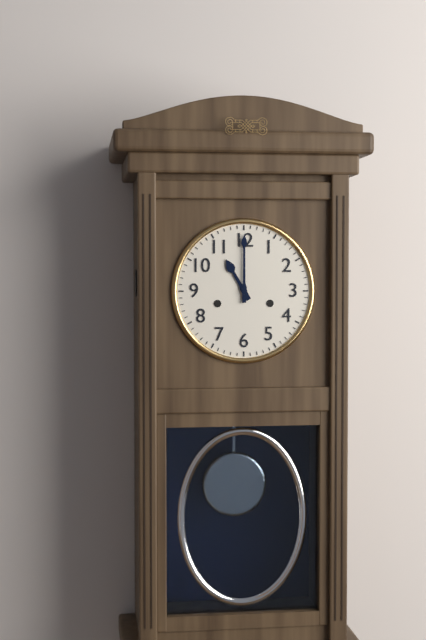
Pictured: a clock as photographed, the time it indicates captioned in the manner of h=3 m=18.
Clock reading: h=11 m=0
